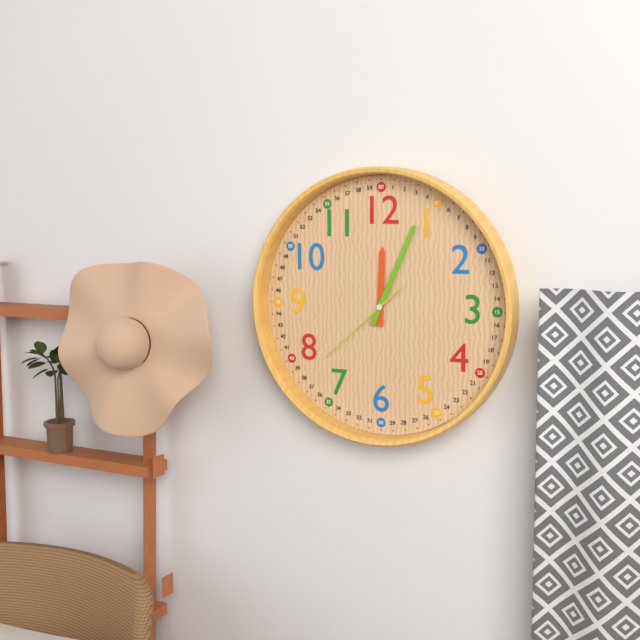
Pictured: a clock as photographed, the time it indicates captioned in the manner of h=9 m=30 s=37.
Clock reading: h=12 m=4 s=38
